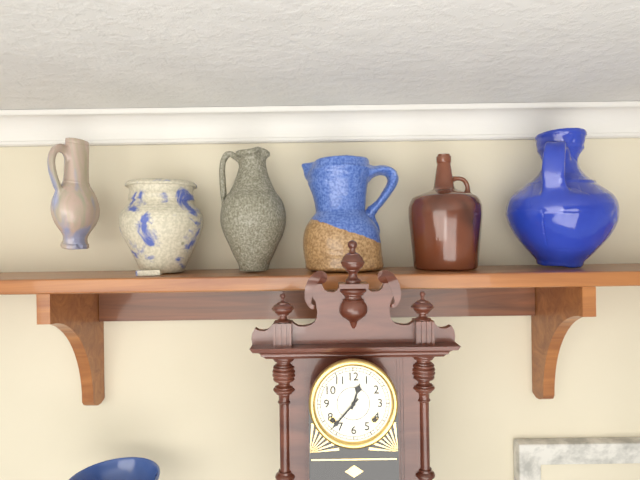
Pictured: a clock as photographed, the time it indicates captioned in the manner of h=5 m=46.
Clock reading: h=12 m=37
